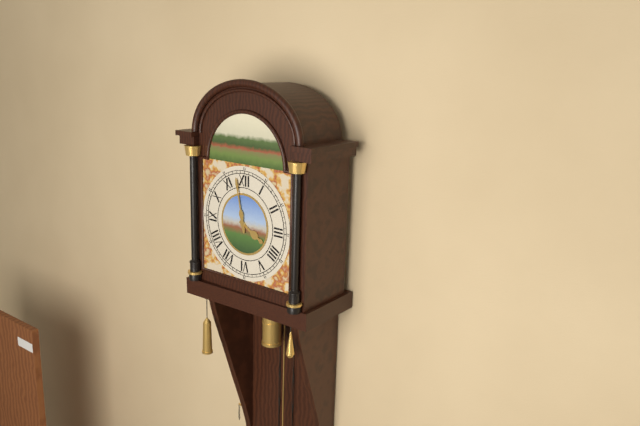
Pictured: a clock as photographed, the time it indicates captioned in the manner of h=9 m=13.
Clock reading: h=3 m=58
